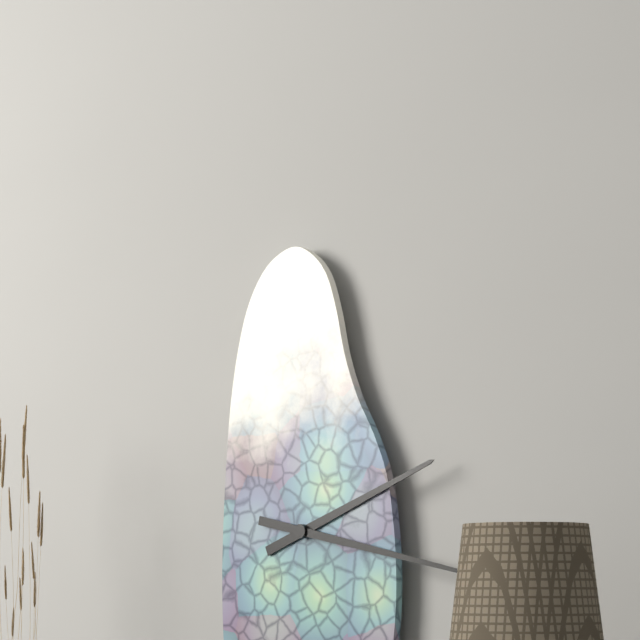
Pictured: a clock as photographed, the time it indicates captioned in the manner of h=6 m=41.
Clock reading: h=2 m=17
